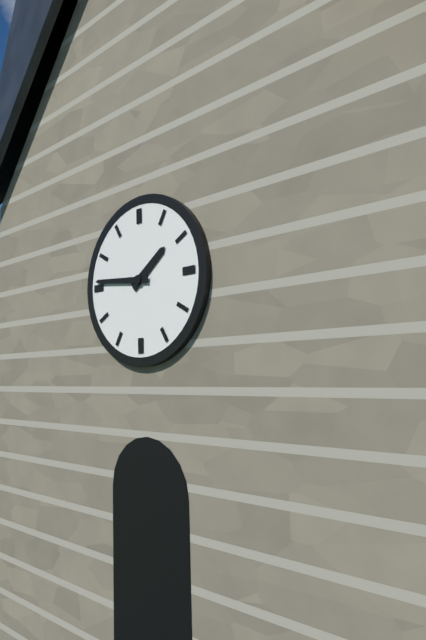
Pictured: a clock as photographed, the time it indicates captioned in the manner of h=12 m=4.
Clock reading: h=1 m=46
